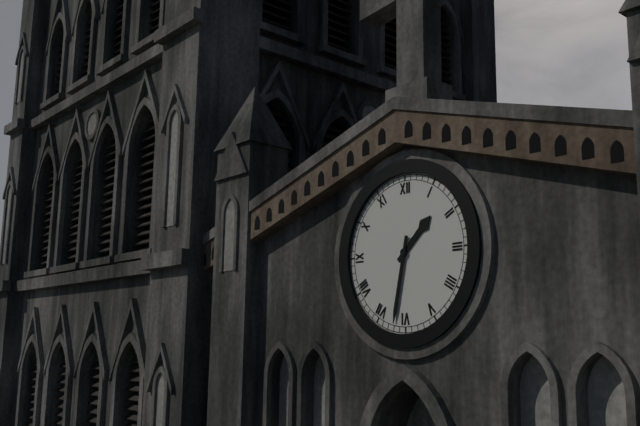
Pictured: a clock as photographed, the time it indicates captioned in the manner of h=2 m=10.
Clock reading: h=1 m=32
